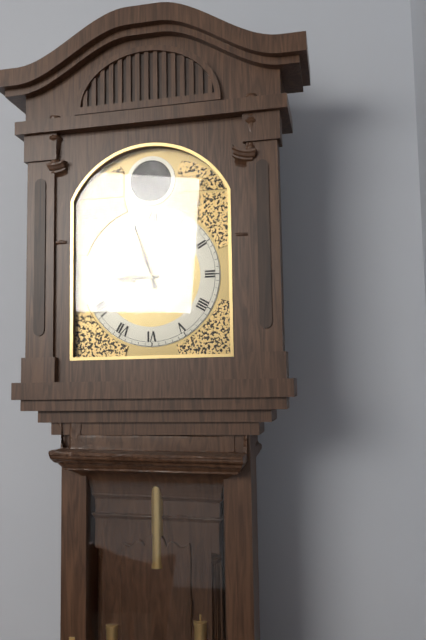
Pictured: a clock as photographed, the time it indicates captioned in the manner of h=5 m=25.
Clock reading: h=8 m=57
